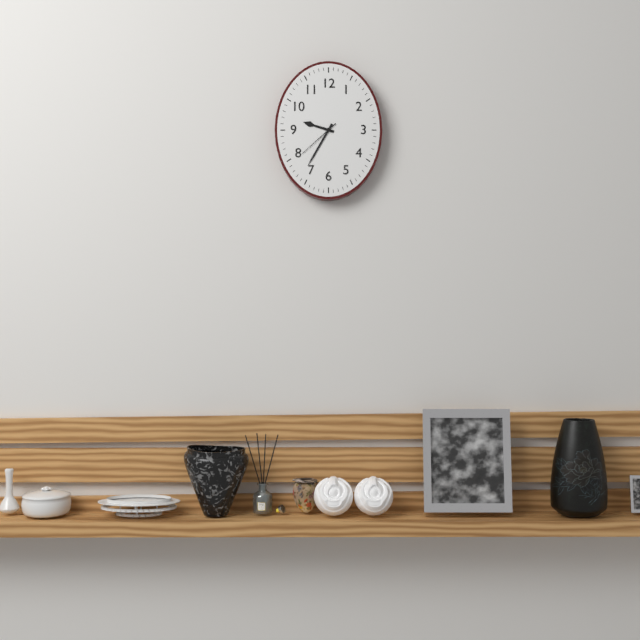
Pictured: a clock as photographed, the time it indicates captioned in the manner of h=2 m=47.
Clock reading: h=9 m=35
